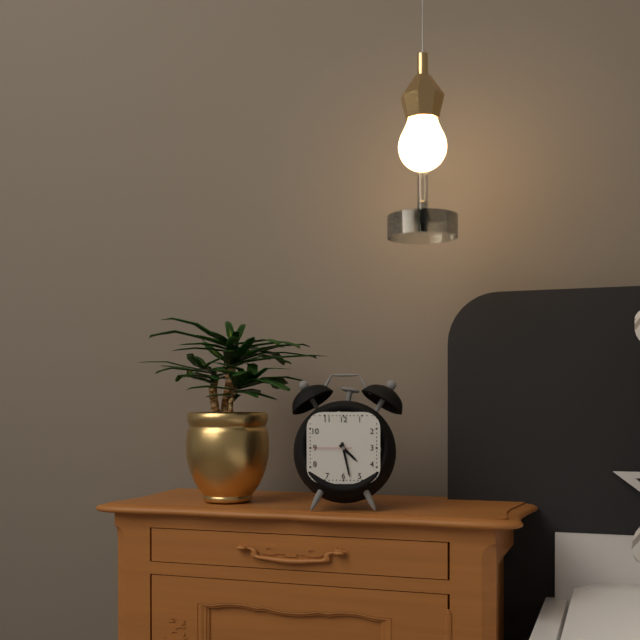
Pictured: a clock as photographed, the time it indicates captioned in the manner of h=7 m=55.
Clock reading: h=4 m=28
